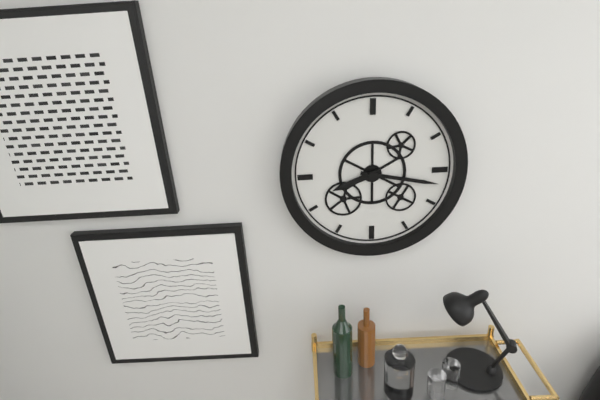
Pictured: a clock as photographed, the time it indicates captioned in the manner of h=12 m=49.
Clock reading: h=8 m=17
